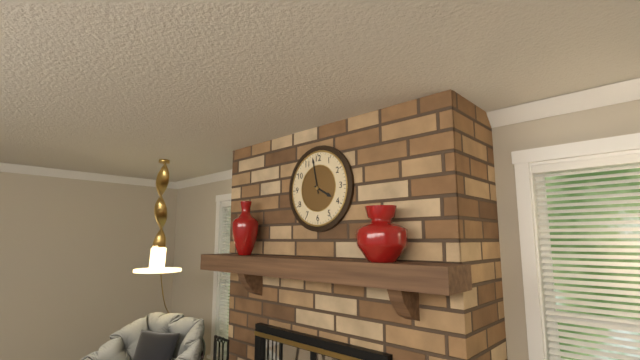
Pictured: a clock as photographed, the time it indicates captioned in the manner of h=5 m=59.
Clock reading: h=3 m=58
